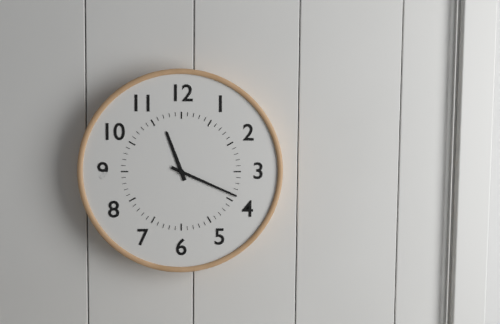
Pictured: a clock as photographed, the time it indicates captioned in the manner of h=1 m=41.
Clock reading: h=11 m=19
